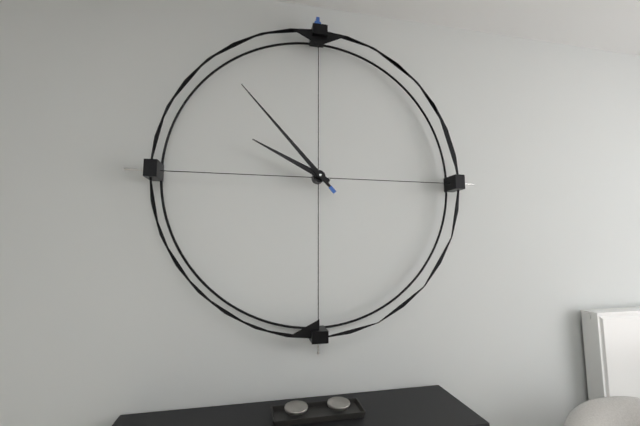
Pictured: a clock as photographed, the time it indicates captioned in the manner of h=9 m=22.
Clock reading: h=9 m=53
